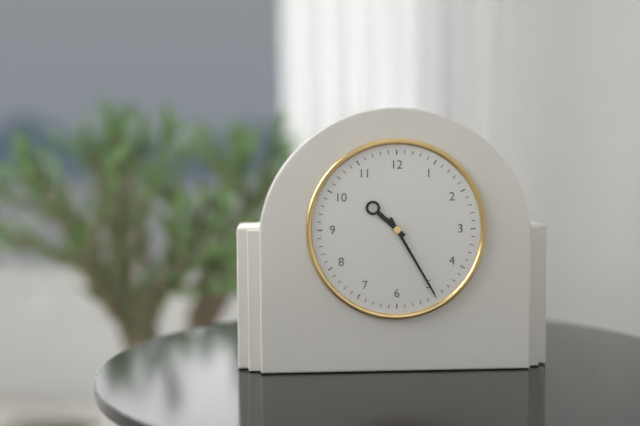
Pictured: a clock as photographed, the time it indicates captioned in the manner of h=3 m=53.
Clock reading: h=10 m=25
